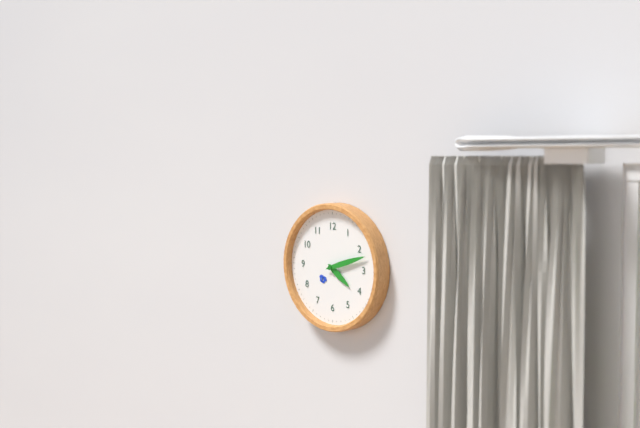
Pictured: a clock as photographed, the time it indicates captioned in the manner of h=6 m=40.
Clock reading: h=4 m=12
